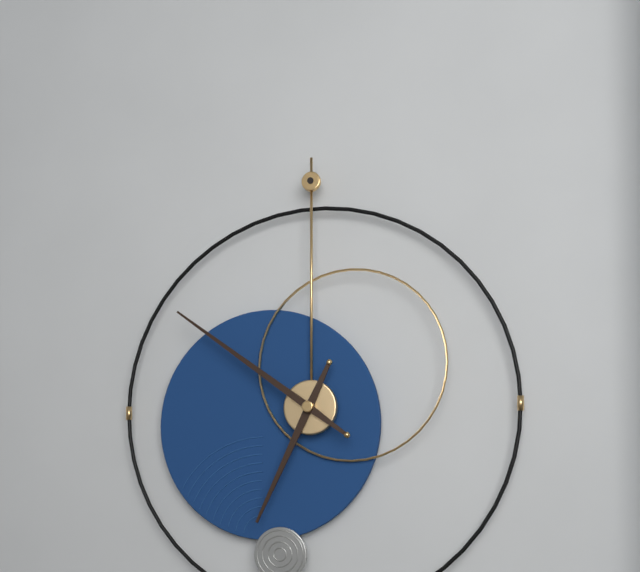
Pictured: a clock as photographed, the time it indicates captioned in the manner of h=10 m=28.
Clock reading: h=6 m=51
